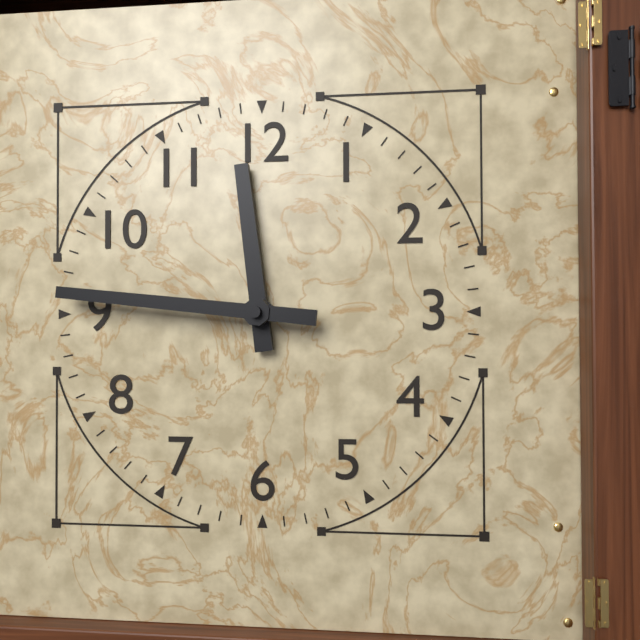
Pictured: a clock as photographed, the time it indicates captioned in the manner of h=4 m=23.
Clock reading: h=11 m=46
